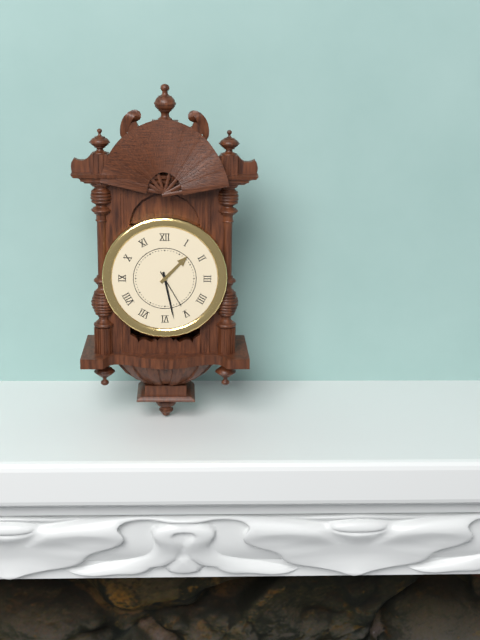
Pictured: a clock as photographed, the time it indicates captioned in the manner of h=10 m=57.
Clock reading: h=1 m=28
